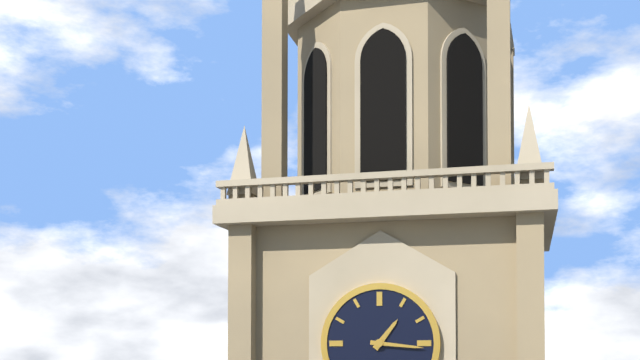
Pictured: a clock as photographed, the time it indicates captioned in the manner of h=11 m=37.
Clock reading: h=1 m=16
